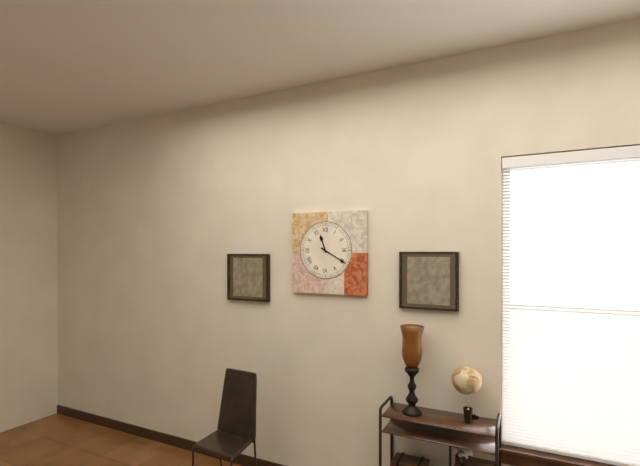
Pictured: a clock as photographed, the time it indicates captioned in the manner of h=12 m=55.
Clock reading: h=11 m=20
